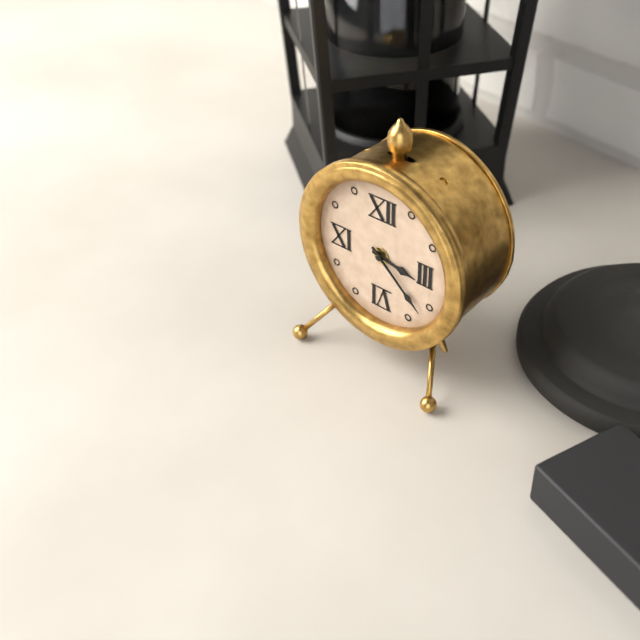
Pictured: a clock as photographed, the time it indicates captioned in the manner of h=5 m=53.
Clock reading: h=3 m=22
